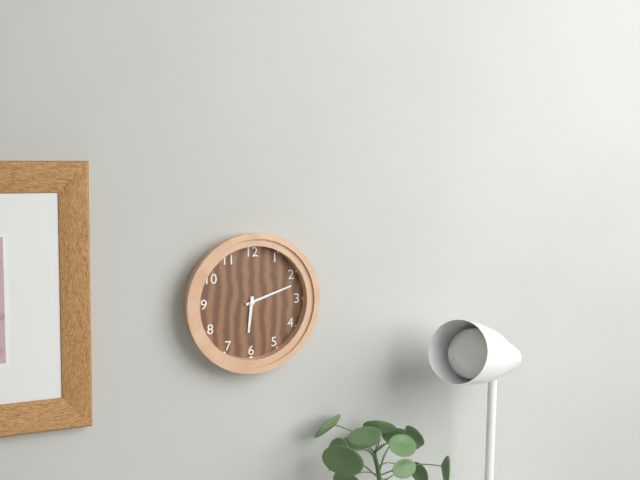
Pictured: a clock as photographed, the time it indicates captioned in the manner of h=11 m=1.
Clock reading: h=6 m=12
